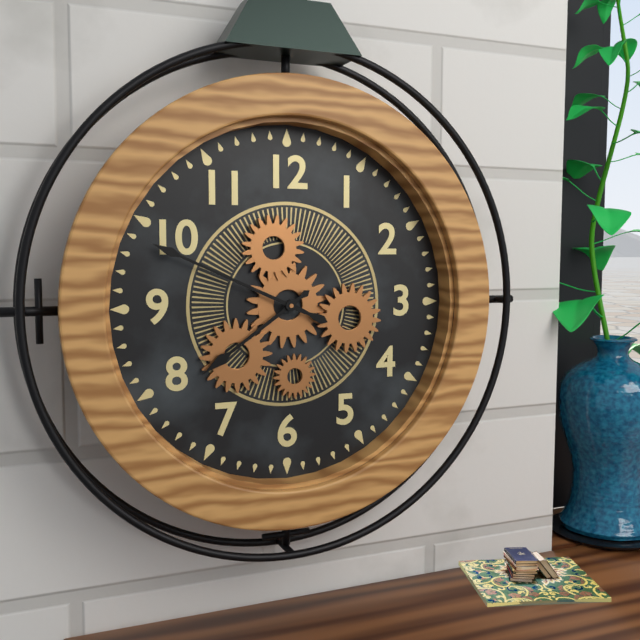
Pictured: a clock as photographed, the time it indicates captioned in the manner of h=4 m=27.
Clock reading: h=7 m=49
